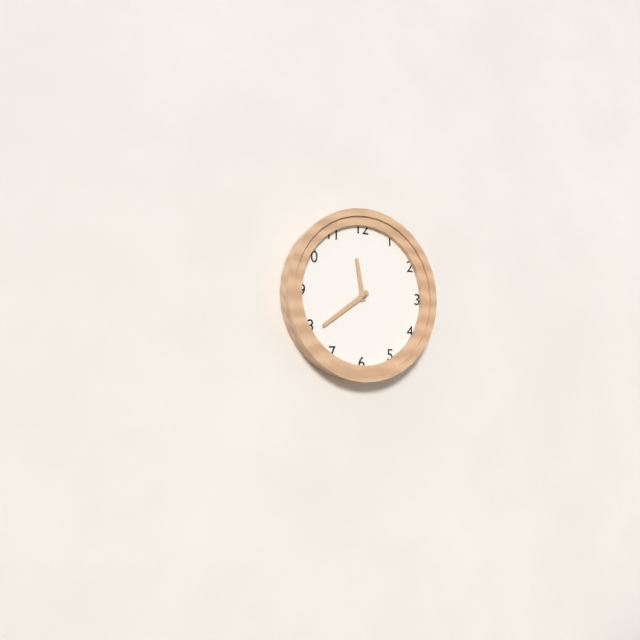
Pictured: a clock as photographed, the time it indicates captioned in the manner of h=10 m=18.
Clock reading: h=11 m=39
